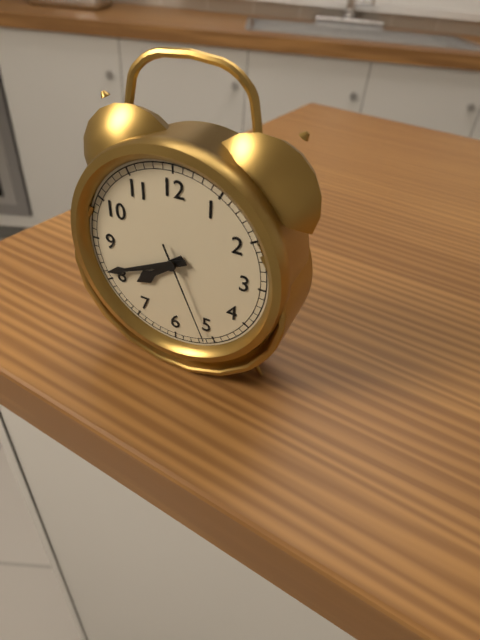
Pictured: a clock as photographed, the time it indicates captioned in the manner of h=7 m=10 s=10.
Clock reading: h=7 m=41 s=26
